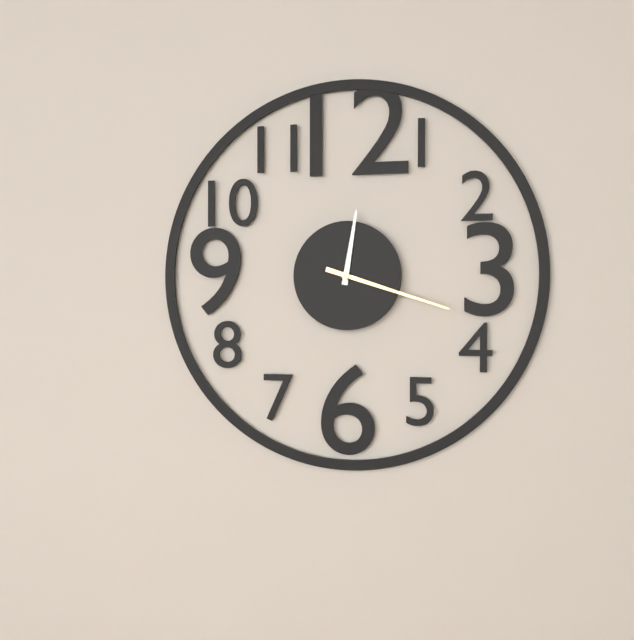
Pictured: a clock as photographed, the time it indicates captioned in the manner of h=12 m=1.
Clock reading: h=12 m=18
